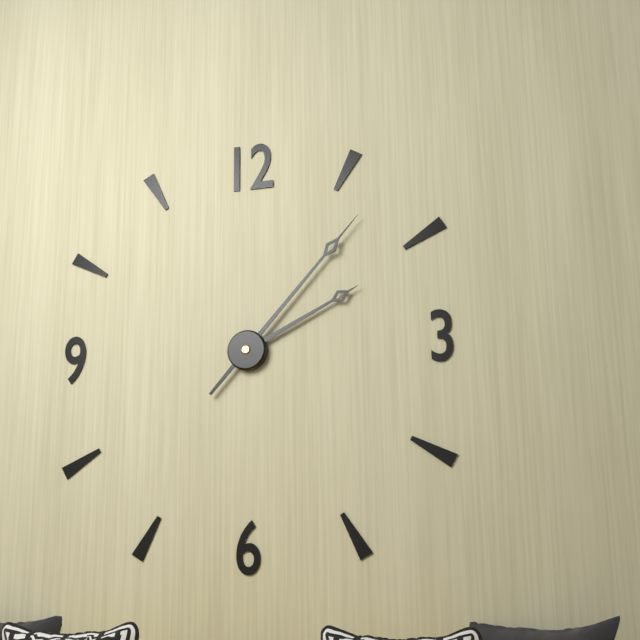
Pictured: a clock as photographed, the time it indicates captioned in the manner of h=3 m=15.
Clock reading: h=2 m=7
